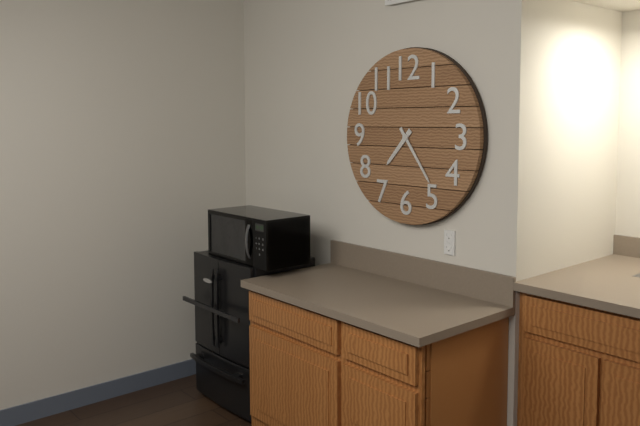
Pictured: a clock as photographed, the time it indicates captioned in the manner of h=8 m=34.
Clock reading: h=7 m=24
